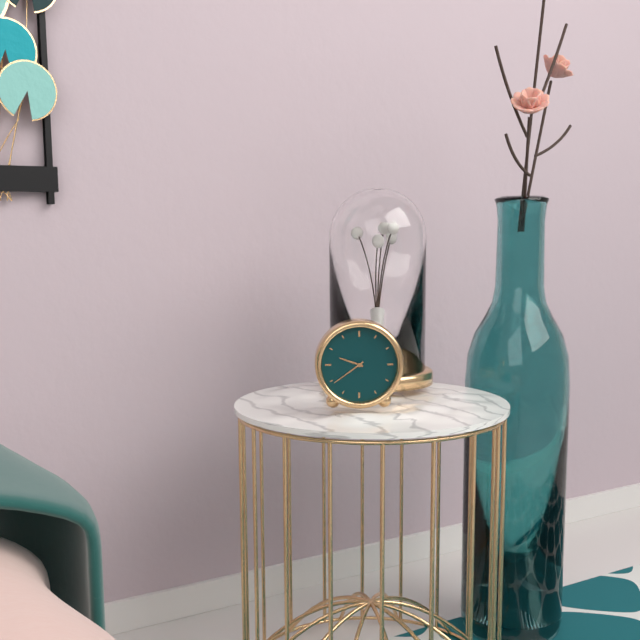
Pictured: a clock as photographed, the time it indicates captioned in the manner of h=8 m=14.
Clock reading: h=9 m=39
